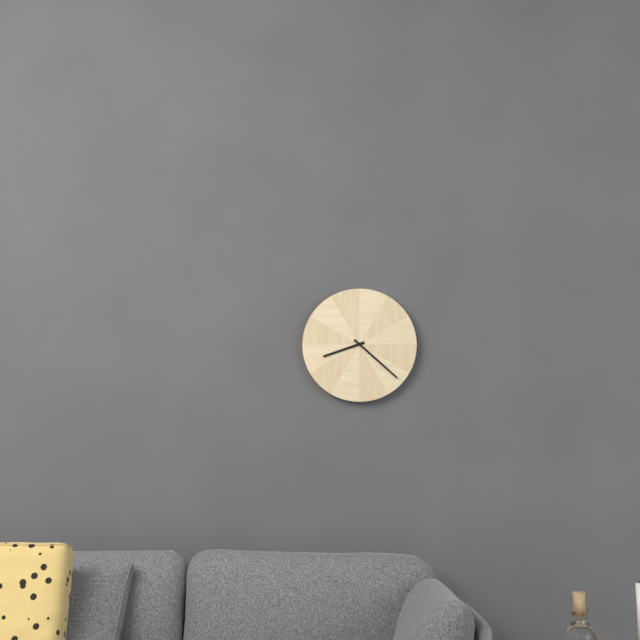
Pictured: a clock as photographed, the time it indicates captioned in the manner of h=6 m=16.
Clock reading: h=8 m=22
